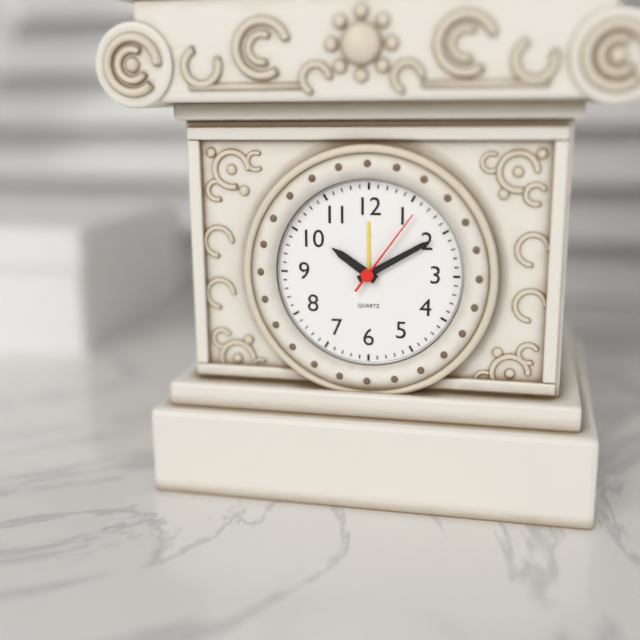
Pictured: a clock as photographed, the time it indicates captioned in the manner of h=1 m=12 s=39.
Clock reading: h=10 m=10 s=6
